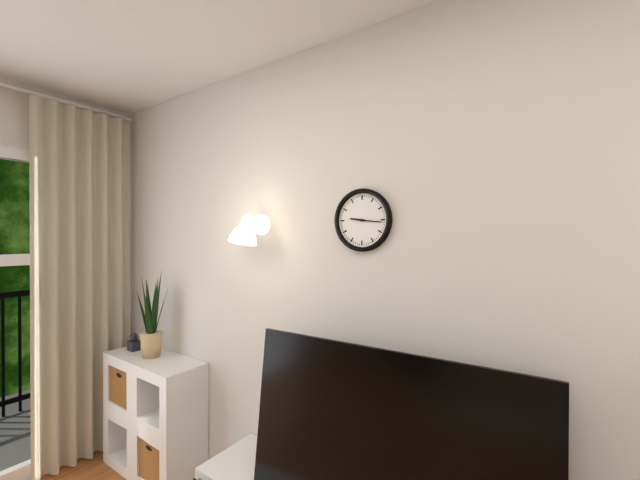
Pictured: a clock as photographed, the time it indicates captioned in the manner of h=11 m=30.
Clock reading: h=9 m=16
